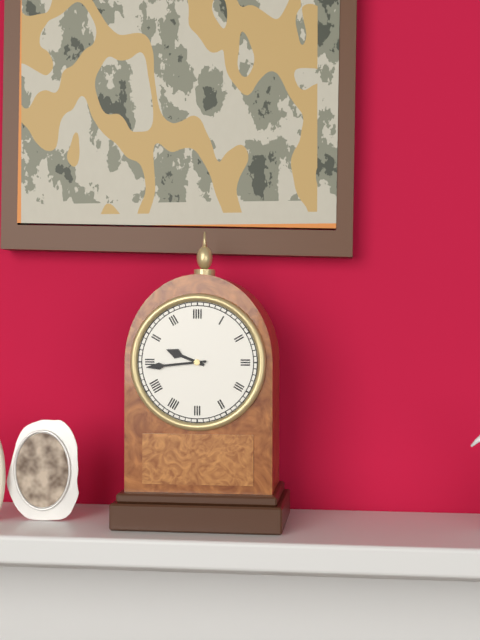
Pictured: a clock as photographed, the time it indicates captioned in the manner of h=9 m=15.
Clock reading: h=9 m=44
